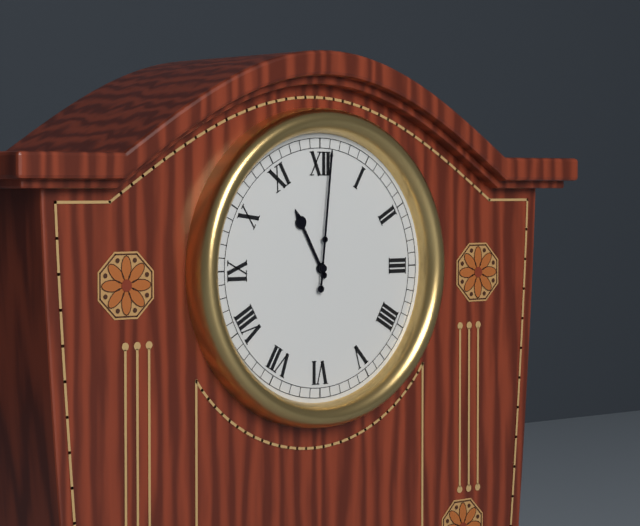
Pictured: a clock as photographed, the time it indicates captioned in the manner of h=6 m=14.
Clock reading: h=11 m=1
